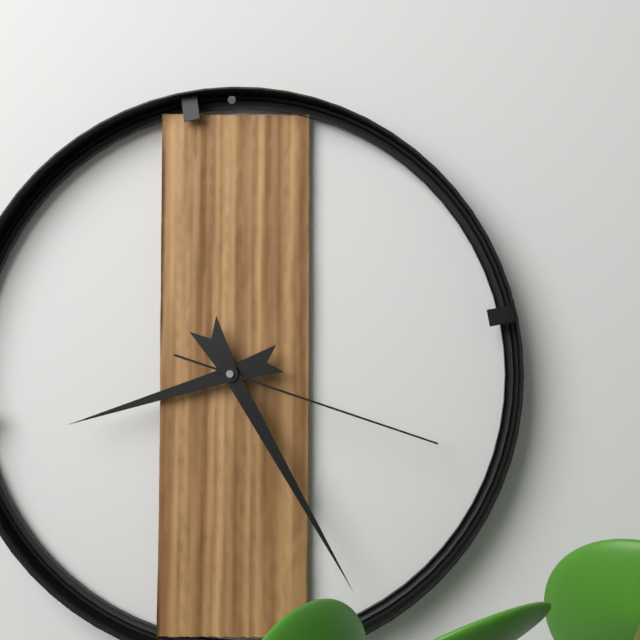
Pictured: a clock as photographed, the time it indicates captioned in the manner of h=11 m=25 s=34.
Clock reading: h=8 m=25 s=18
